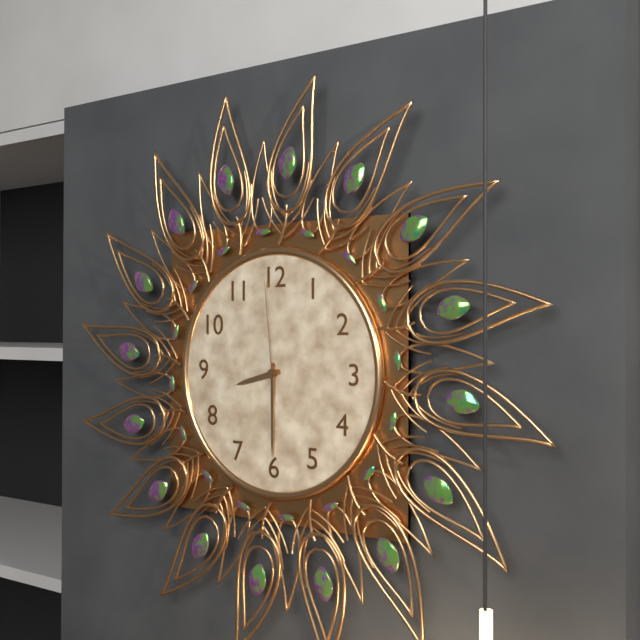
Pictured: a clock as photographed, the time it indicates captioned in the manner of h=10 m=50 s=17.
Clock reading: h=8 m=30 s=59
